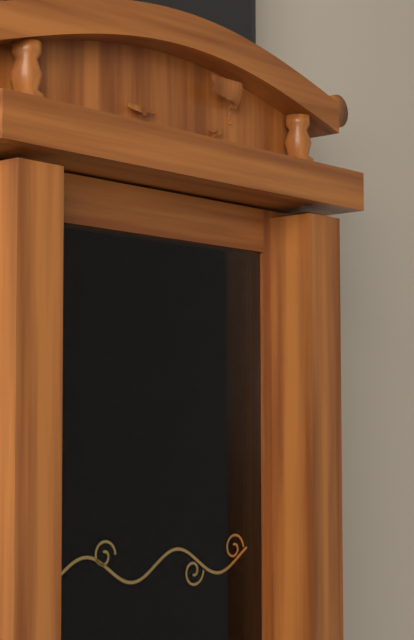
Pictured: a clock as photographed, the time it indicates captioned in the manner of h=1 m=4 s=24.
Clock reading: h=9 m=6 s=58
